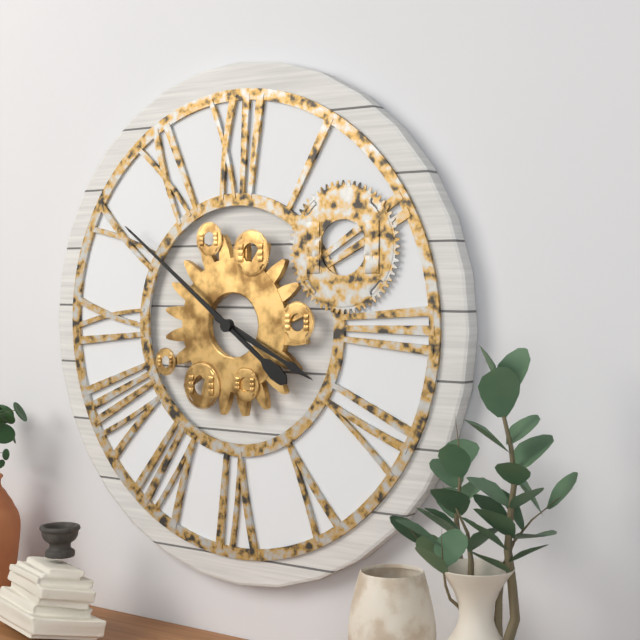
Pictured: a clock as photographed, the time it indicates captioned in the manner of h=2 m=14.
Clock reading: h=3 m=51
